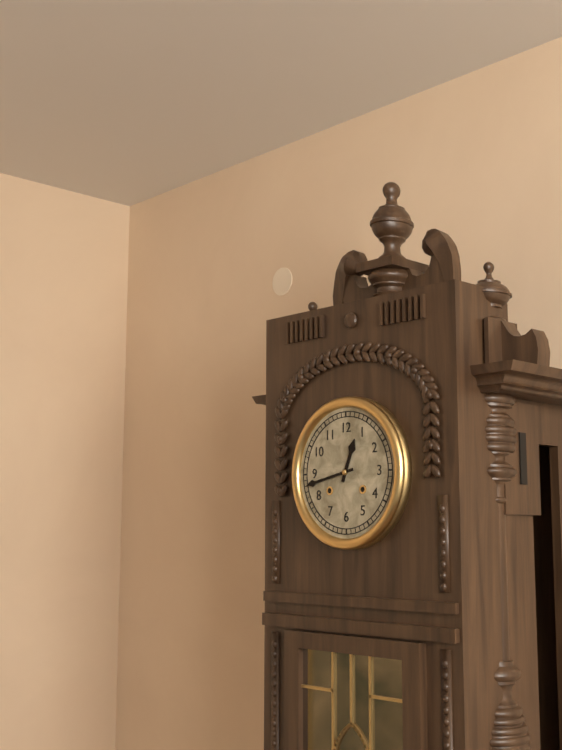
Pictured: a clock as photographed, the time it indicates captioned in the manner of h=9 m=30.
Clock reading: h=12 m=43
